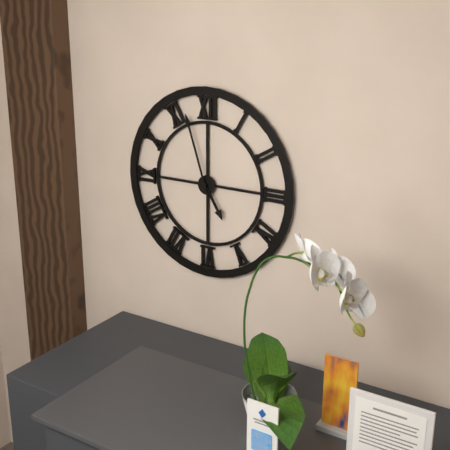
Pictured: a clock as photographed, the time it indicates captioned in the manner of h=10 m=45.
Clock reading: h=4 m=57
